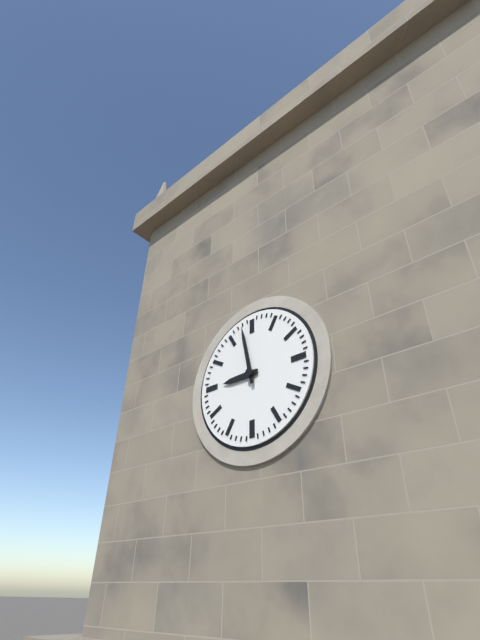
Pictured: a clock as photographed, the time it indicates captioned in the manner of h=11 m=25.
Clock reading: h=8 m=58
